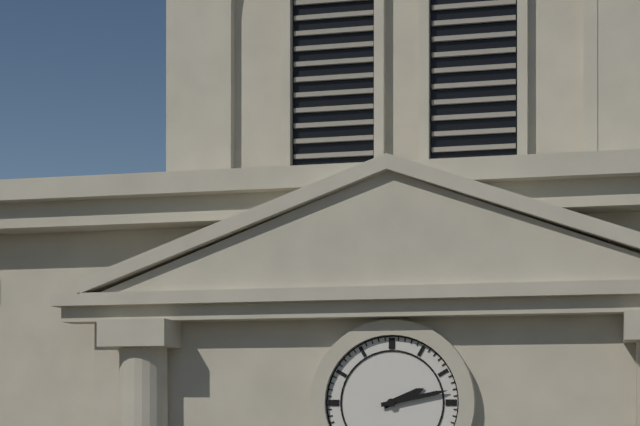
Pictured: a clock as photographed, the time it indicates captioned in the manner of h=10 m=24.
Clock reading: h=2 m=13
